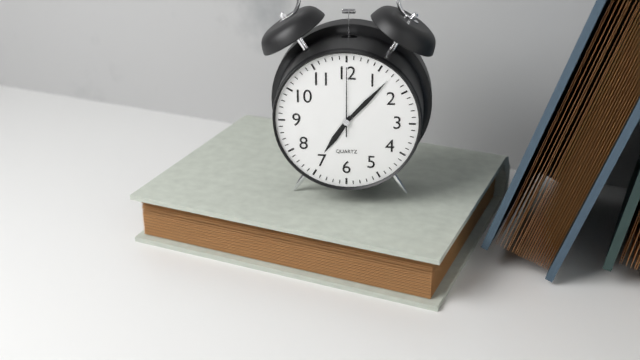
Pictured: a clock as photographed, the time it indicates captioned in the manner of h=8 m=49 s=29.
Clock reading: h=7 m=7 s=0
